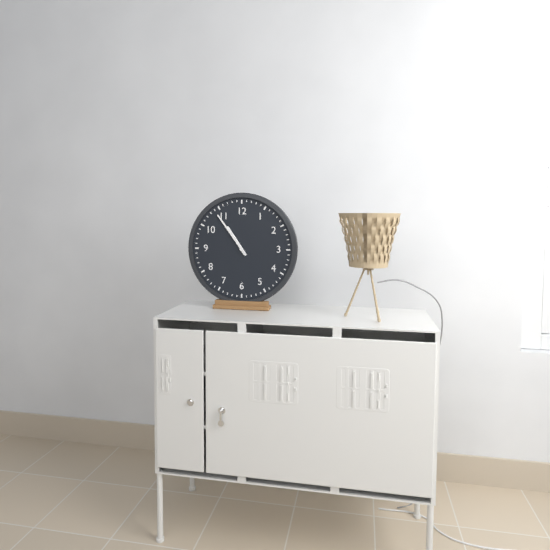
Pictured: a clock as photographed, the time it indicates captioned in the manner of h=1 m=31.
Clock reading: h=10 m=54
